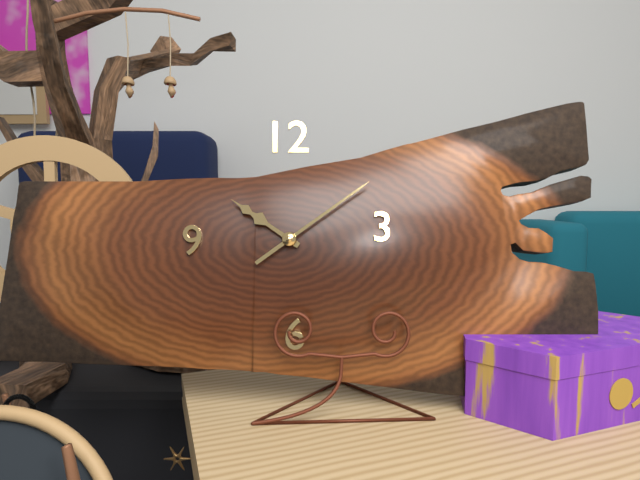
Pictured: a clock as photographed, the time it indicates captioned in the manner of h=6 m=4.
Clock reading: h=10 m=9
